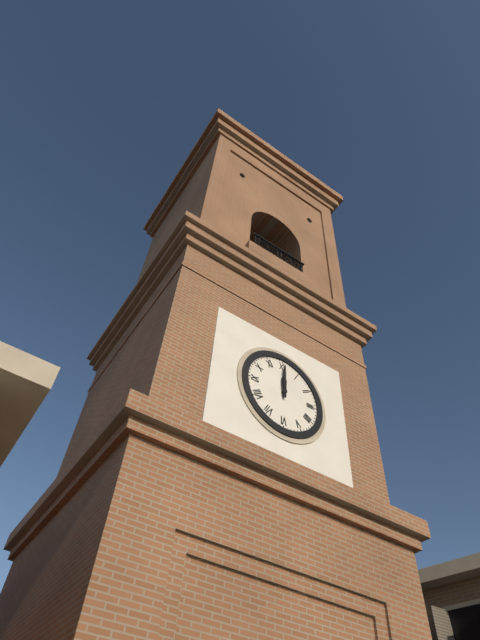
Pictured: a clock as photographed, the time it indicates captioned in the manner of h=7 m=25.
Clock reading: h=12 m=0
